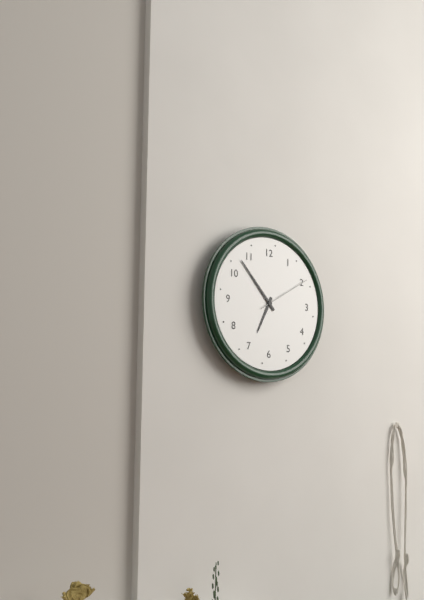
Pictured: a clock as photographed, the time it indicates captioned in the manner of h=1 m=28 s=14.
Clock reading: h=6 m=53 s=10
